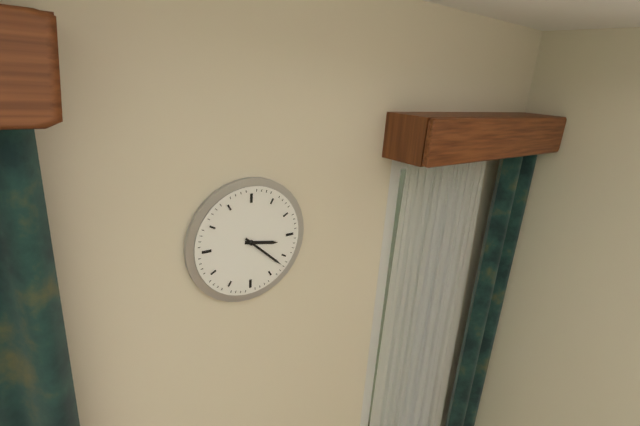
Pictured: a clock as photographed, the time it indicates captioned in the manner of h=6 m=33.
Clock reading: h=3 m=22
